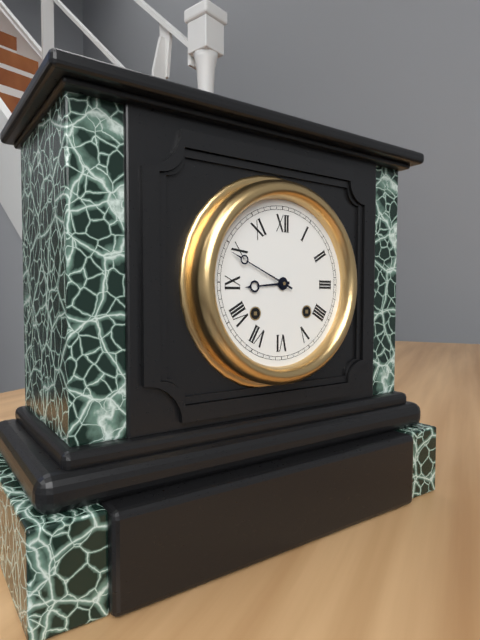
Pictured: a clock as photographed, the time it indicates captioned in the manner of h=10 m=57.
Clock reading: h=8 m=49
